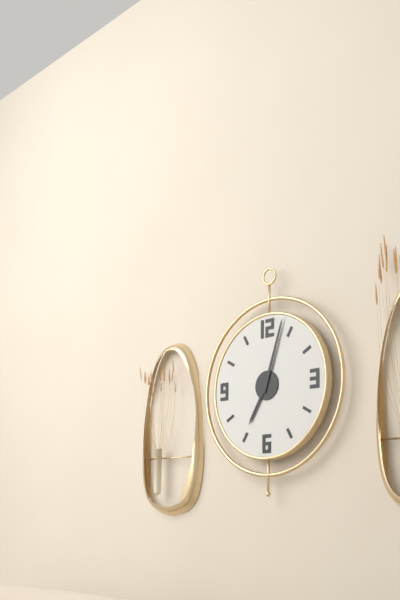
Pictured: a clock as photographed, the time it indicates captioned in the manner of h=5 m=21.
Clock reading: h=7 m=3
